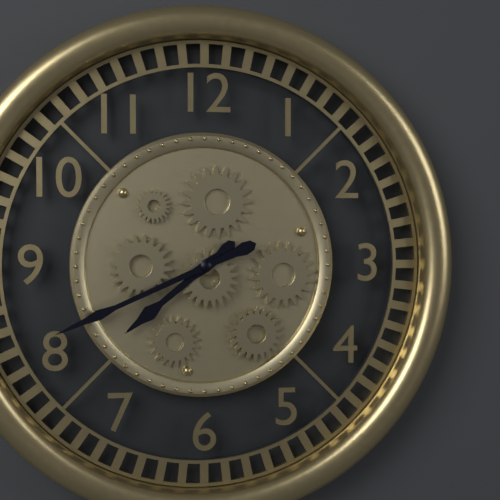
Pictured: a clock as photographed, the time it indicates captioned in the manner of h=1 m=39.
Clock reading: h=7 m=41
